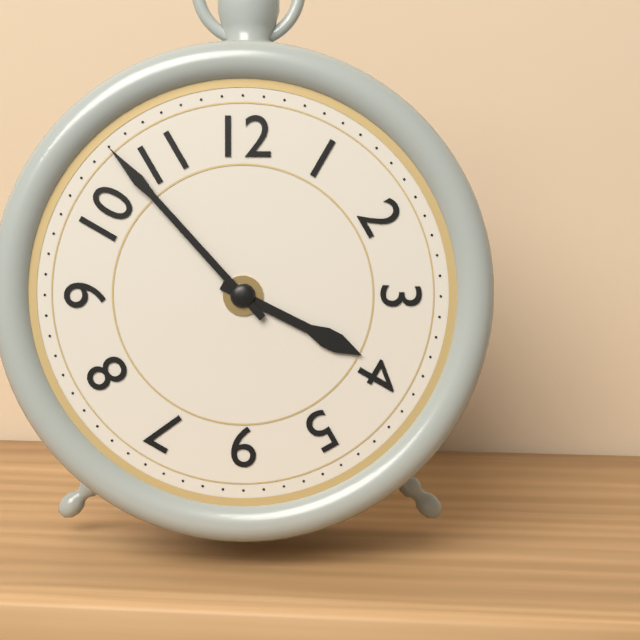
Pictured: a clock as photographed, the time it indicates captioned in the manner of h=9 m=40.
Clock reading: h=3 m=53
